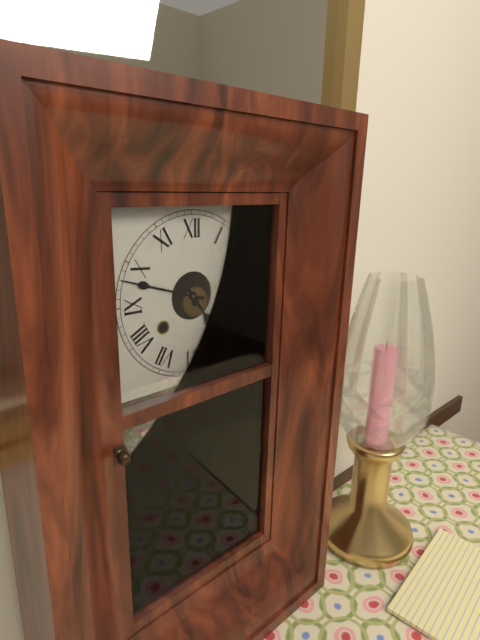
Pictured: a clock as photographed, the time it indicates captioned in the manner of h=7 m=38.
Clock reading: h=4 m=48
